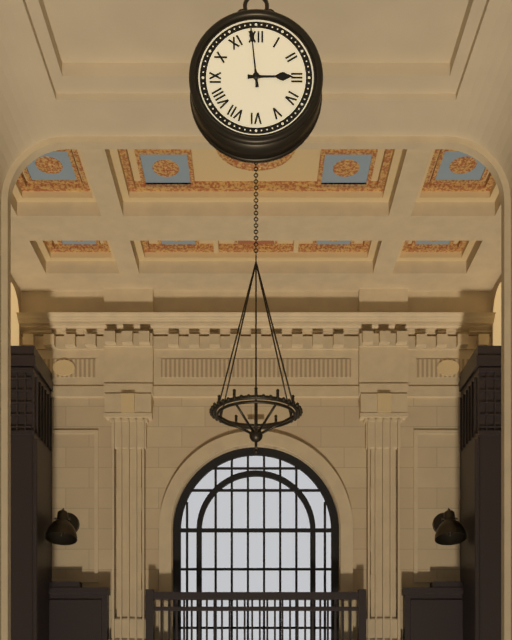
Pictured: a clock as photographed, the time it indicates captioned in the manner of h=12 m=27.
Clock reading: h=2 m=59
